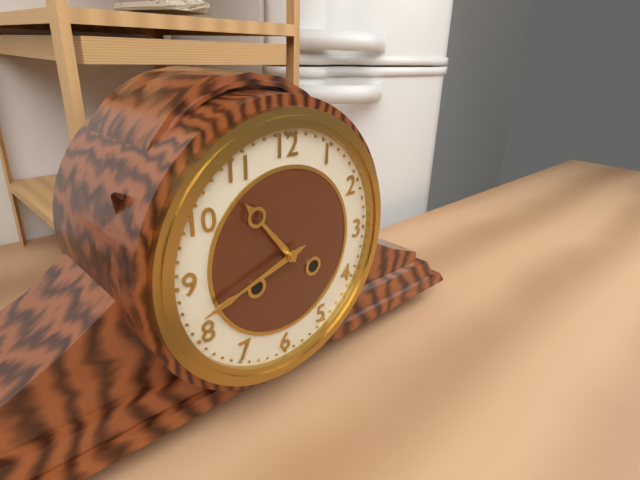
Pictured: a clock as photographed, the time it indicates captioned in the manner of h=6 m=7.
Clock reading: h=10 m=42
